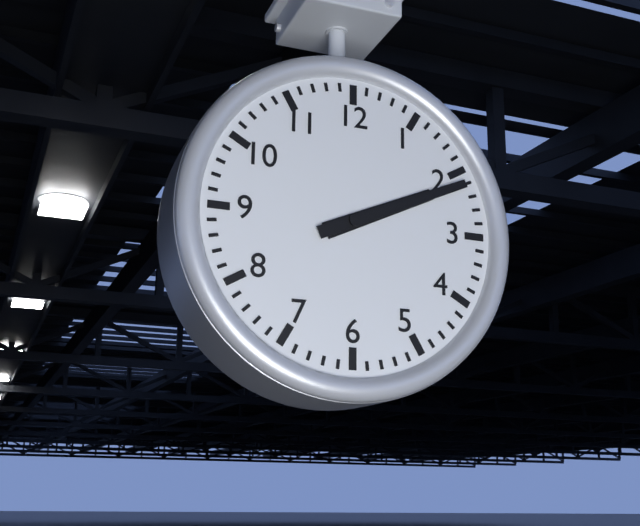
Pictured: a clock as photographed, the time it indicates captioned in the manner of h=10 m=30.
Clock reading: h=2 m=11
